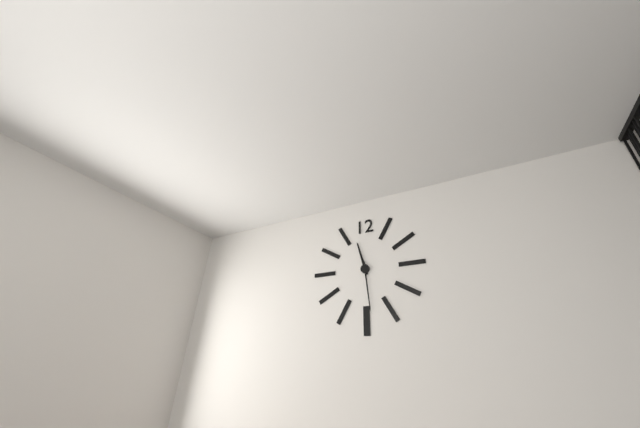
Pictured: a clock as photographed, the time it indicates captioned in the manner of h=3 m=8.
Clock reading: h=11 m=29
